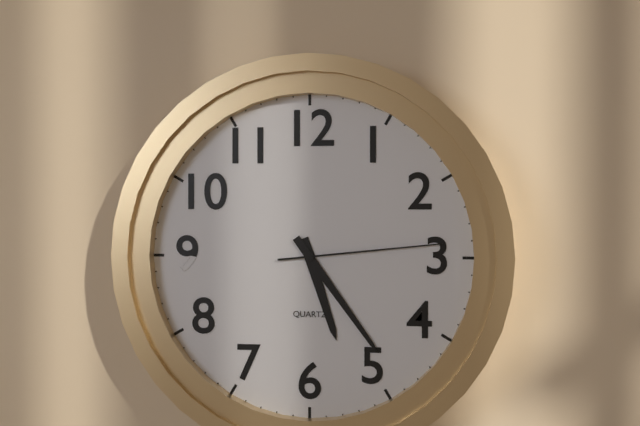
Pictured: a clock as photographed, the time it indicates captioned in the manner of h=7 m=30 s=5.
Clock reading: h=5 m=24 s=14
